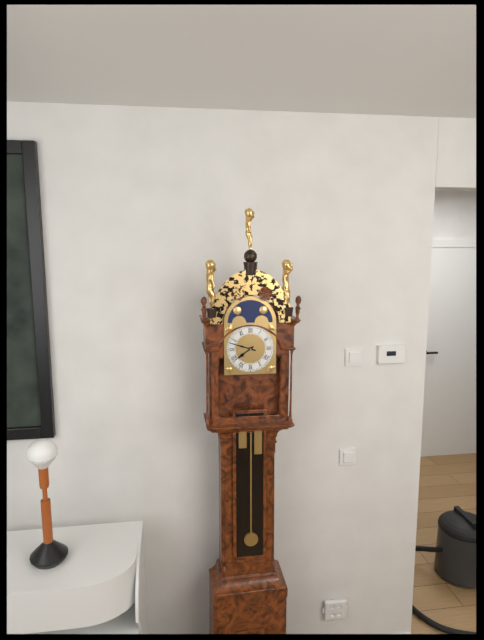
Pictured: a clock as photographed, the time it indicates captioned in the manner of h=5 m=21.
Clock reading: h=7 m=48
